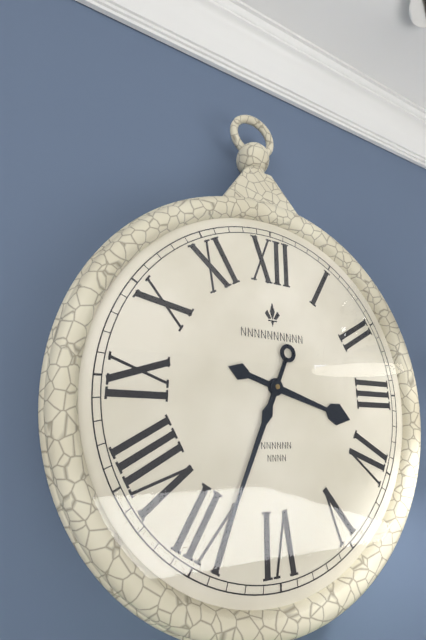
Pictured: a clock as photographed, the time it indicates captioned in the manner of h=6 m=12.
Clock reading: h=3 m=34
